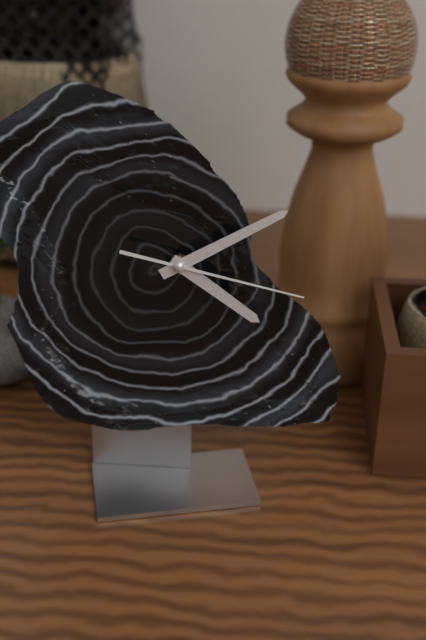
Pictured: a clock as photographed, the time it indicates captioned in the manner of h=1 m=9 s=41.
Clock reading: h=4 m=10 s=17
